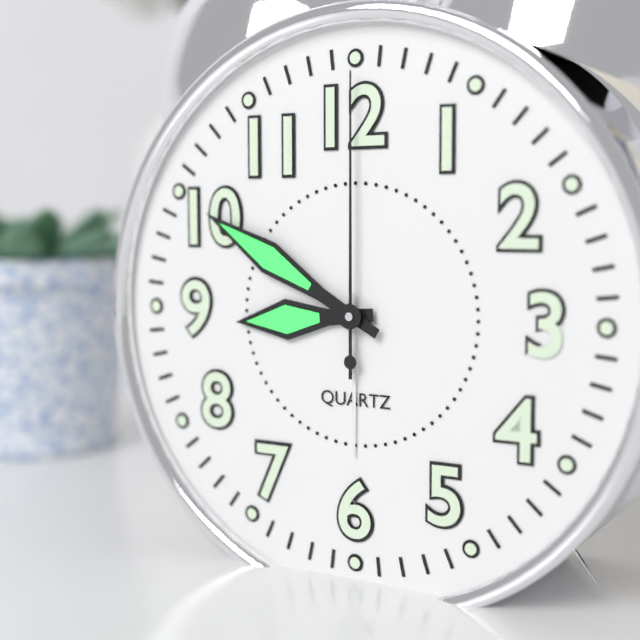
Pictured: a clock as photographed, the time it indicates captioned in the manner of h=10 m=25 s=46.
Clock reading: h=8 m=50 s=0
